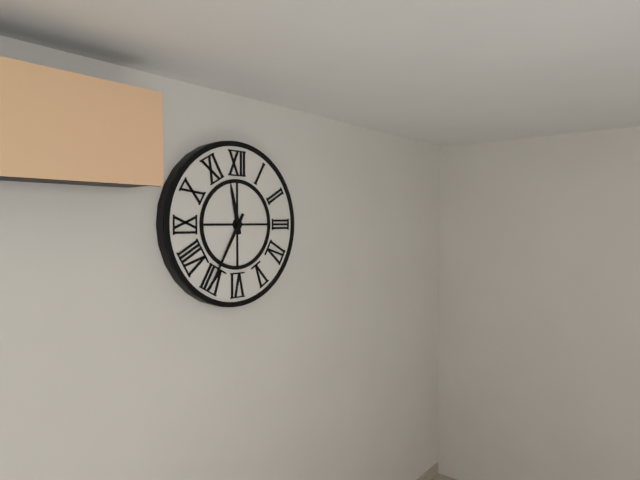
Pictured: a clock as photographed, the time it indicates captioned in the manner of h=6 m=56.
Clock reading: h=11 m=35
